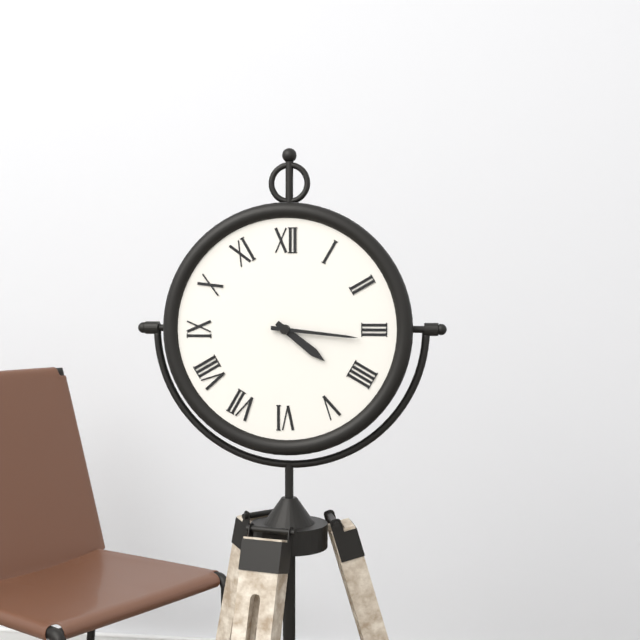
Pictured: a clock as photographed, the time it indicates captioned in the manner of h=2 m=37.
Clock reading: h=4 m=16
